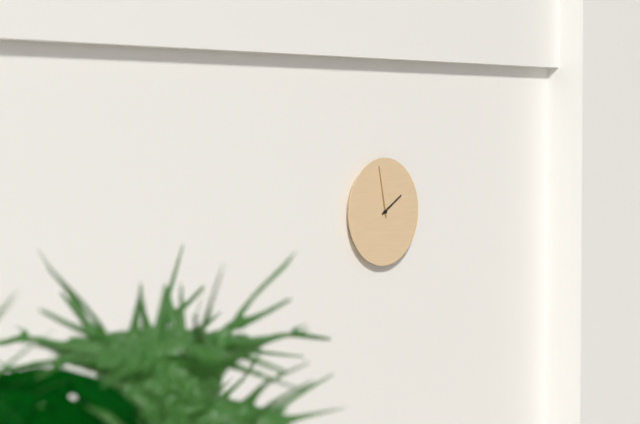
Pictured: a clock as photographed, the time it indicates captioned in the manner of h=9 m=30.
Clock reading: h=1 m=58
